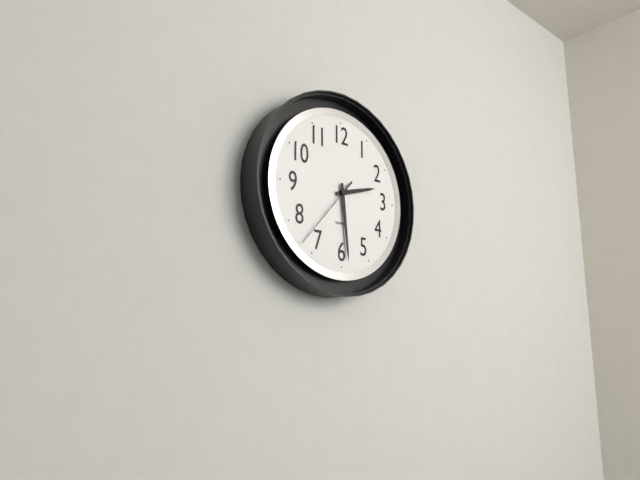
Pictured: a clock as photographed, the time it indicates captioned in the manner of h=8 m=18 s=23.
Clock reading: h=2 m=29 s=37
